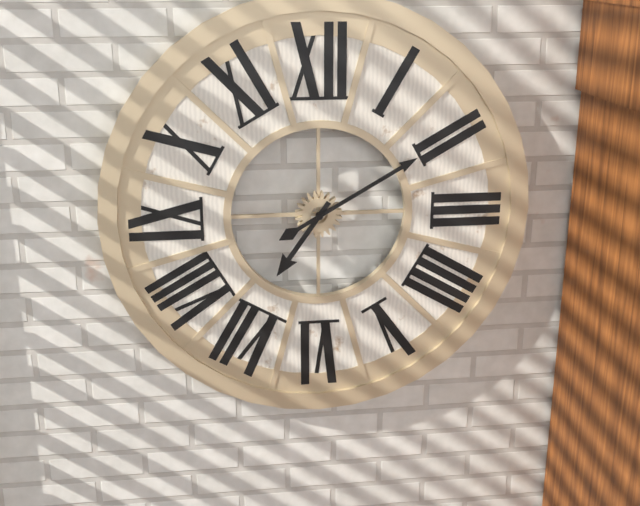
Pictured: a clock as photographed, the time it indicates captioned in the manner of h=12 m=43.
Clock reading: h=7 m=10
